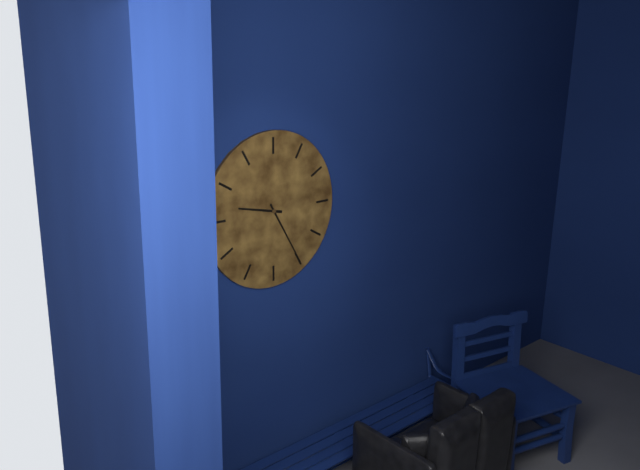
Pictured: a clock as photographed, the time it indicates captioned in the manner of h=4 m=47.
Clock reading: h=9 m=25
